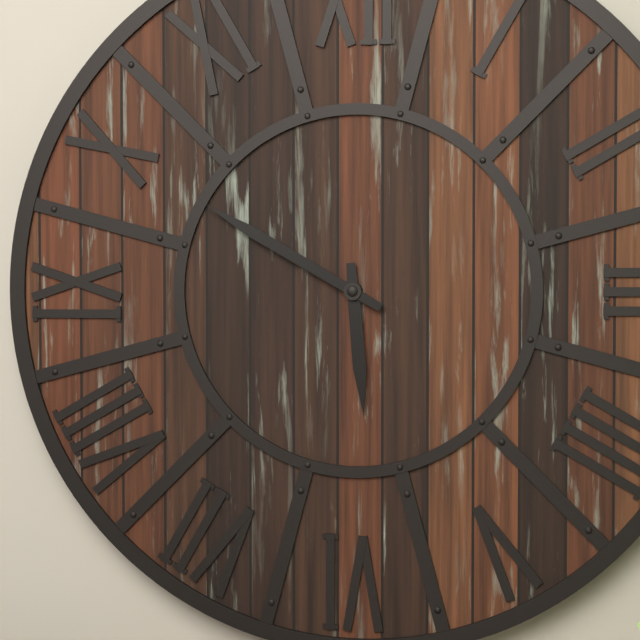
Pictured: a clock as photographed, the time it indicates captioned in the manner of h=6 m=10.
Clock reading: h=5 m=50
